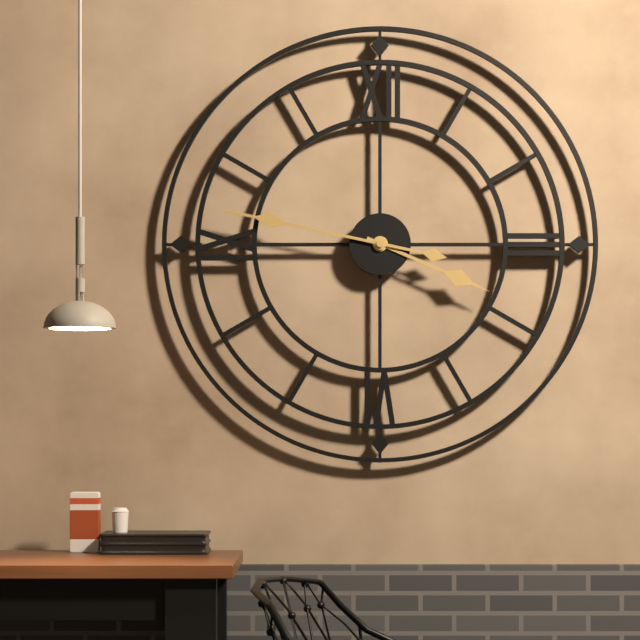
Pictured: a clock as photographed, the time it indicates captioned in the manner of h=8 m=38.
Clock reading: h=3 m=47
